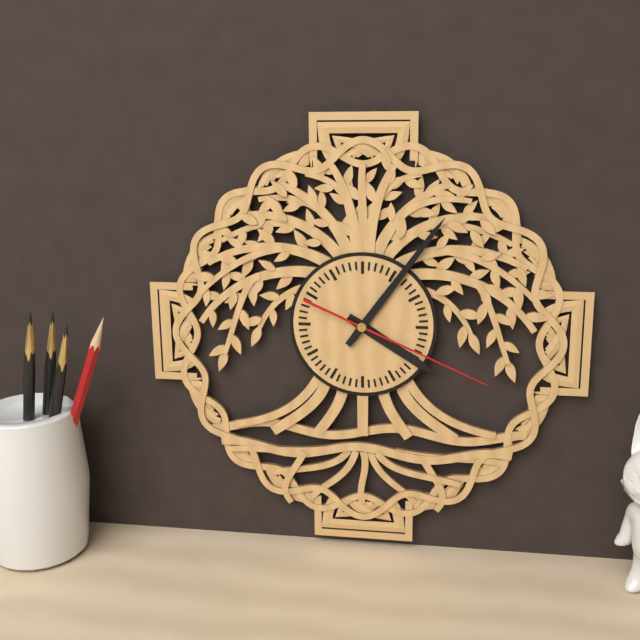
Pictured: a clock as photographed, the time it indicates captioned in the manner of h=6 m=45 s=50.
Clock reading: h=4 m=6 s=19
